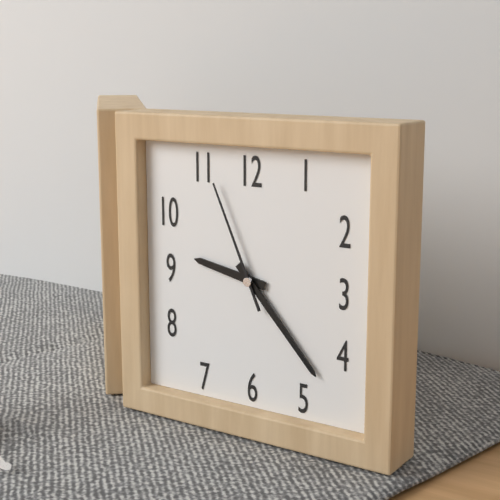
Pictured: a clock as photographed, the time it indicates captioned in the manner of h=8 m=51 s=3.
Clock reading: h=9 m=23 s=56
